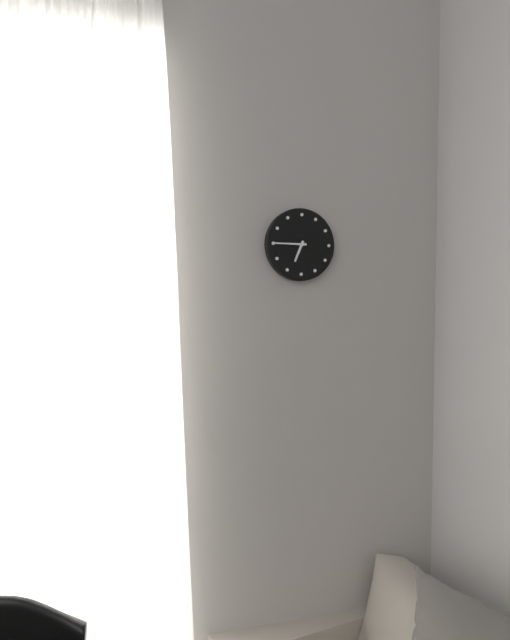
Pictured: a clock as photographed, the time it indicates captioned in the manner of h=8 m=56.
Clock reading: h=6 m=45
